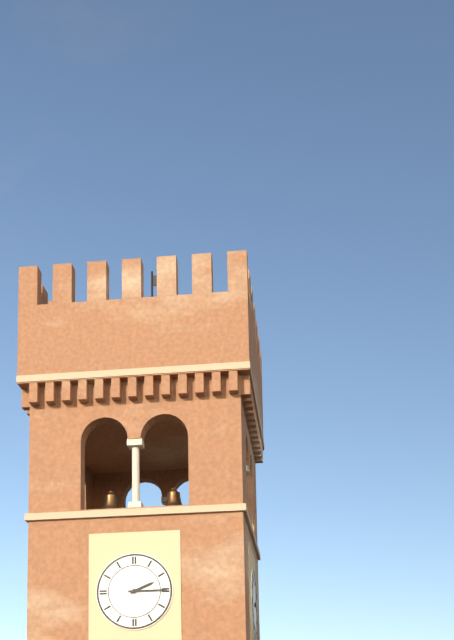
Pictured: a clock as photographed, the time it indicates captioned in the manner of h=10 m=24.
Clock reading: h=2 m=15
